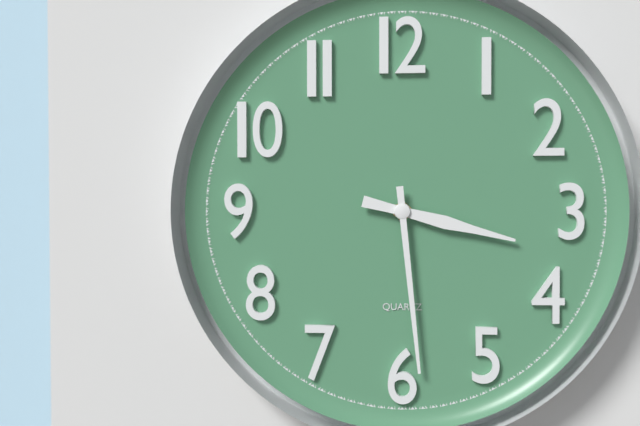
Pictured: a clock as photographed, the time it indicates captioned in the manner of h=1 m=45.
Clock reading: h=3 m=29
